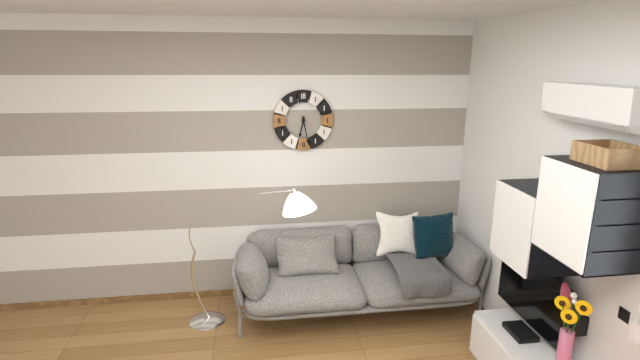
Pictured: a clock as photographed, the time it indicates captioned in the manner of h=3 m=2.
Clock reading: h=6 m=28
